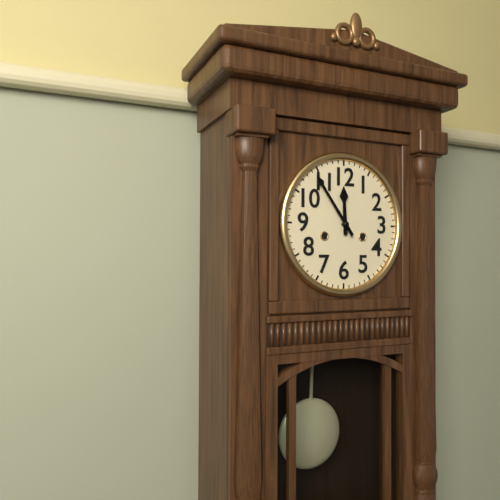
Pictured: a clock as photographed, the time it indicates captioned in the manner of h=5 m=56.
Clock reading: h=11 m=54
